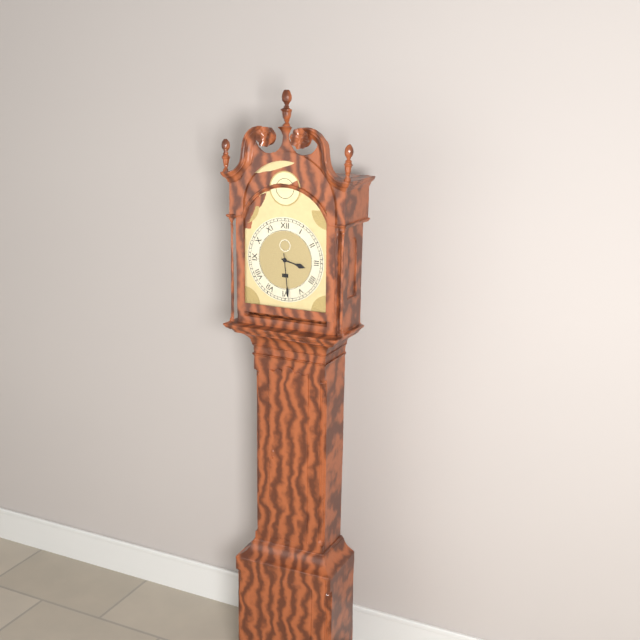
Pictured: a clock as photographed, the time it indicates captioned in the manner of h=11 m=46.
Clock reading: h=3 m=29
